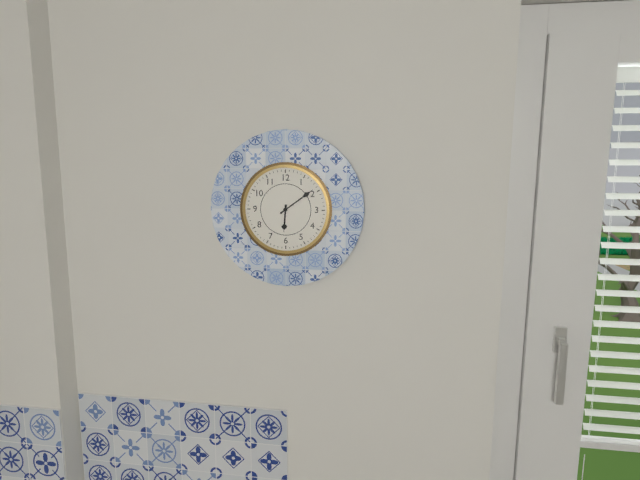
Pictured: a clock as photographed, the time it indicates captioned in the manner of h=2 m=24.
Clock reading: h=6 m=9
